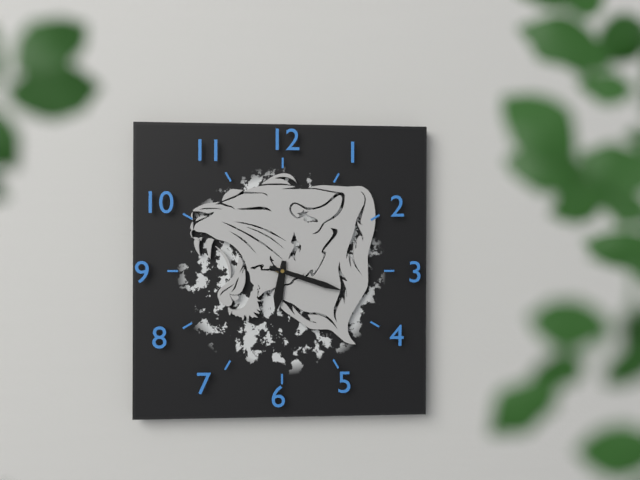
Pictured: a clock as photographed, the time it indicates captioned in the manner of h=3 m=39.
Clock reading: h=6 m=18
